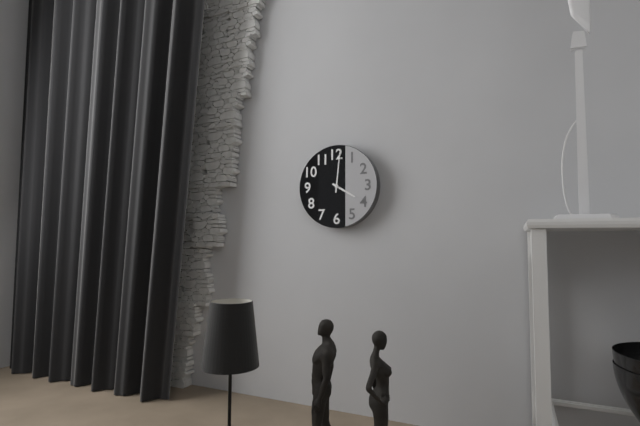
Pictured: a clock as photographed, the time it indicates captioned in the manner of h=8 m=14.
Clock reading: h=4 m=1
